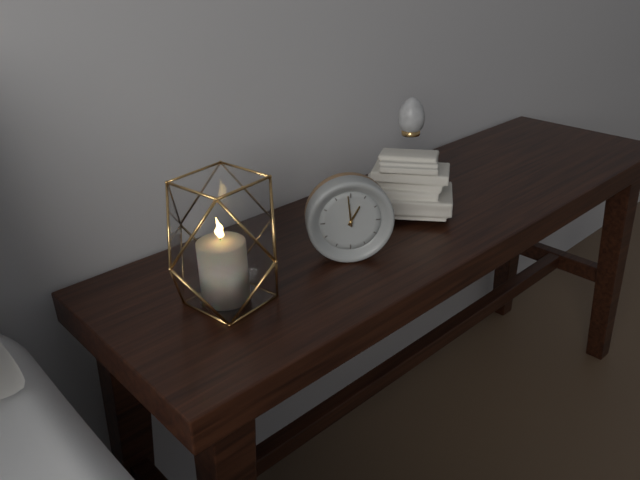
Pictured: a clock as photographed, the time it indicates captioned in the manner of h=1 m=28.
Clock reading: h=12 m=59
